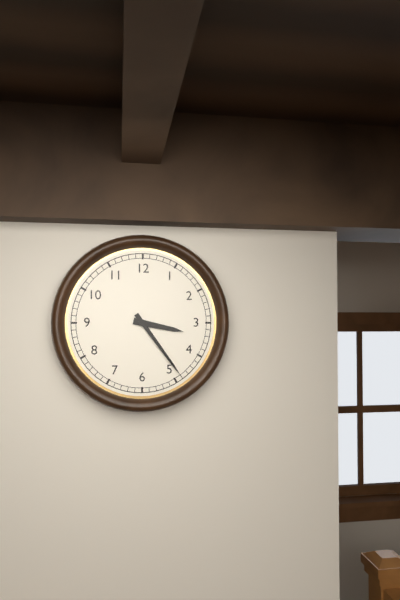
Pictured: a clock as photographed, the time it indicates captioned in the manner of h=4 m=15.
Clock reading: h=3 m=24
